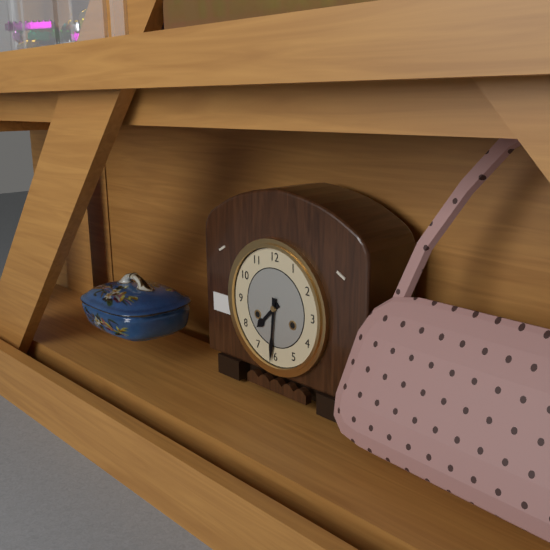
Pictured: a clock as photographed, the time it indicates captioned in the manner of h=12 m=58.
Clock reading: h=7 m=31
